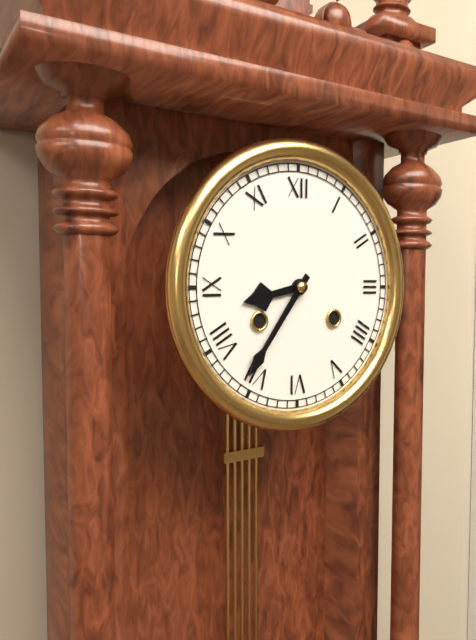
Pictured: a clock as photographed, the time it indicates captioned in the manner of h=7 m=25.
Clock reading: h=8 m=36
